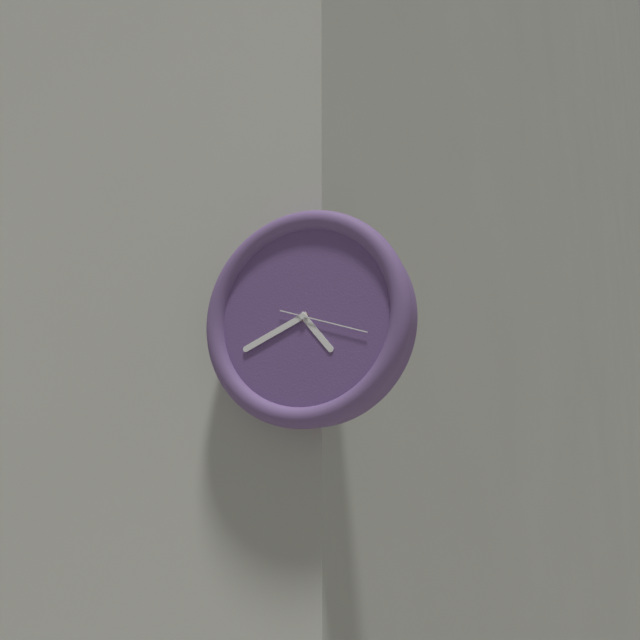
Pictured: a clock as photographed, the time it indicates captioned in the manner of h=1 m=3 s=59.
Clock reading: h=4 m=41 s=18
